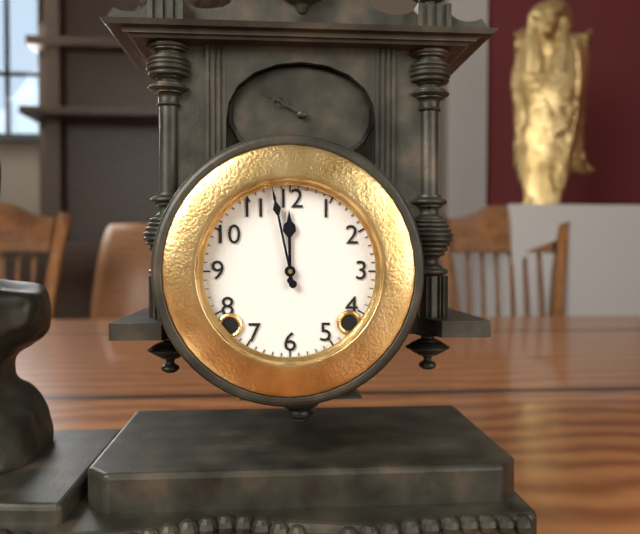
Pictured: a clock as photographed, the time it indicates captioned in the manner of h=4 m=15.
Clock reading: h=11 m=58
